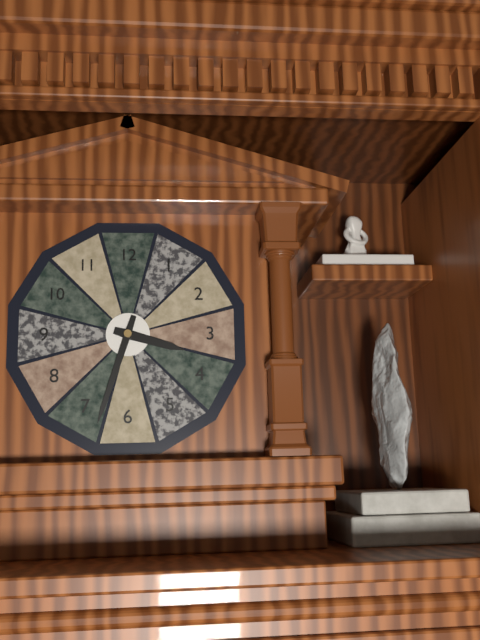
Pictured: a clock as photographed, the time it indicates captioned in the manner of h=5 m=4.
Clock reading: h=3 m=33
